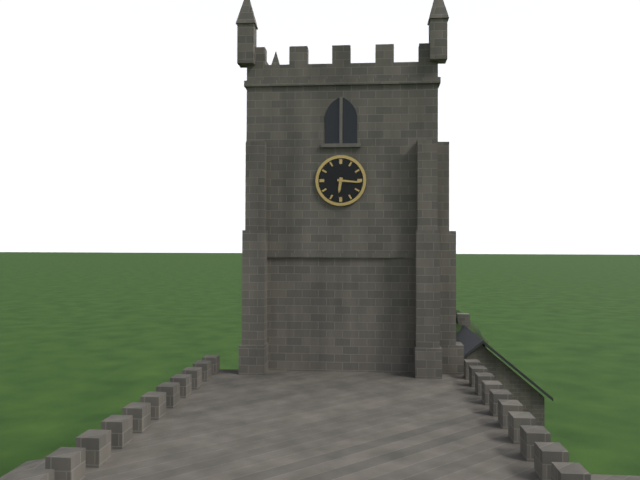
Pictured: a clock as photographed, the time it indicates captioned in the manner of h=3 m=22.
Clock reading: h=6 m=16
